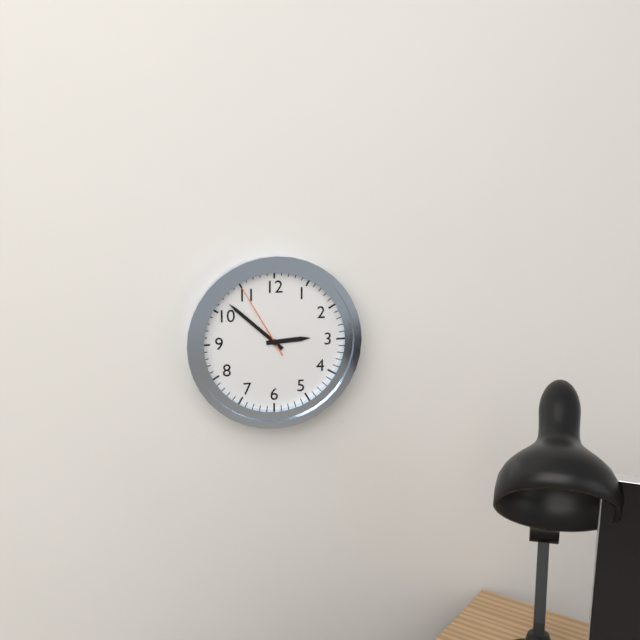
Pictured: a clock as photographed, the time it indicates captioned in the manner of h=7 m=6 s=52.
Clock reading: h=2 m=52 s=55
